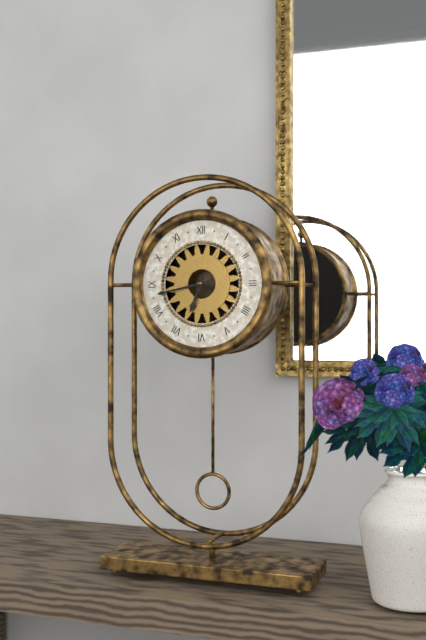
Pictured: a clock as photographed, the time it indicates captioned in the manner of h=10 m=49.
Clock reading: h=6 m=43
